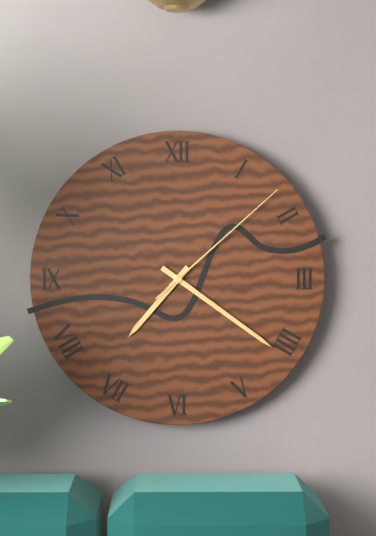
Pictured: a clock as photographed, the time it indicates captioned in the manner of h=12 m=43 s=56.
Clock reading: h=7 m=21 s=8
